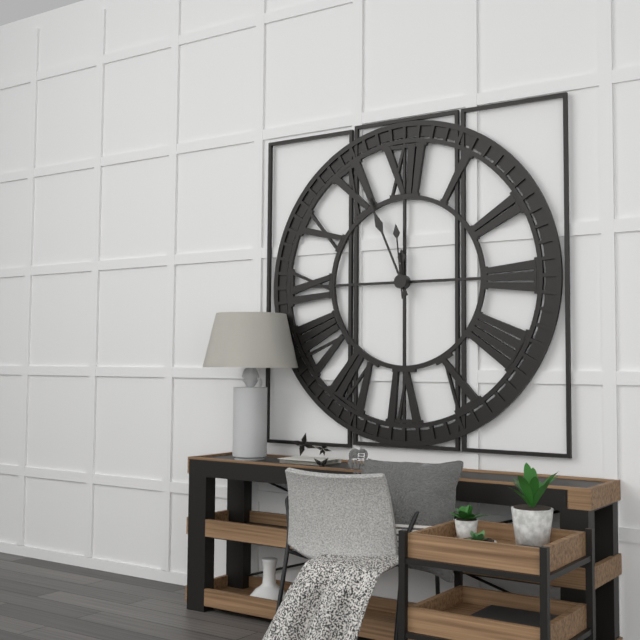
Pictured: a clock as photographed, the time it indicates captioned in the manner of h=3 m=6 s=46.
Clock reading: h=11 m=56 s=59
